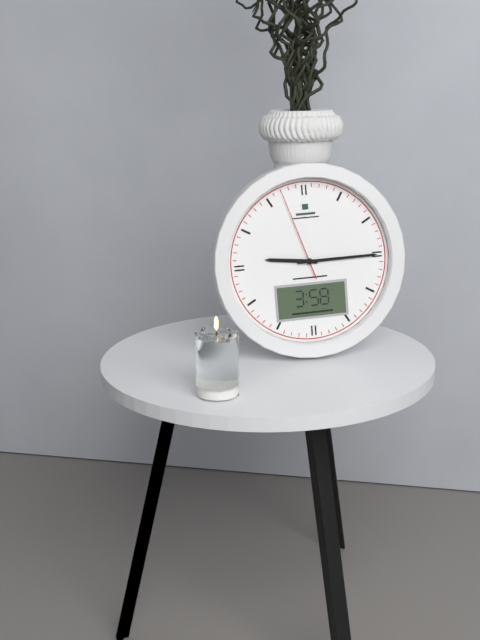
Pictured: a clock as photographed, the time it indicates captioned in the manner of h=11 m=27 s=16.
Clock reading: h=9 m=15 s=57
